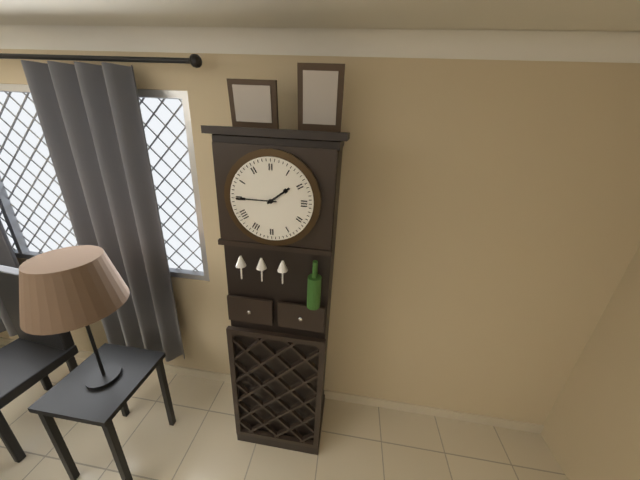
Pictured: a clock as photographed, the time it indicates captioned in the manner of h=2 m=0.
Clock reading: h=1 m=45
